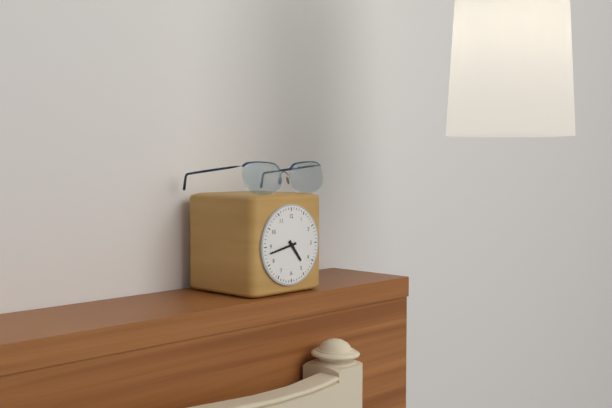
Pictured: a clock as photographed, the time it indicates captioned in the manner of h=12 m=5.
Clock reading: h=4 m=43
